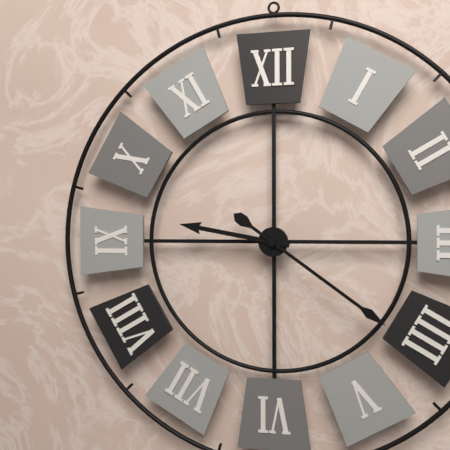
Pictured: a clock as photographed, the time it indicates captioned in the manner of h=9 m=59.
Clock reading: h=9 m=21
